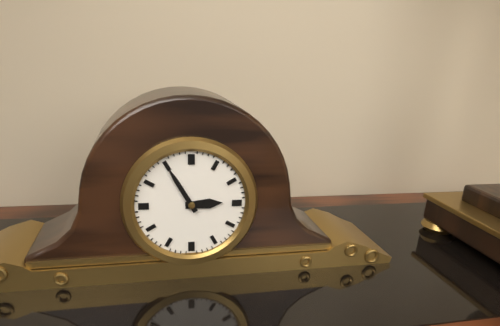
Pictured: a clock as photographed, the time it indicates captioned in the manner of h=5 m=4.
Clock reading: h=2 m=55
